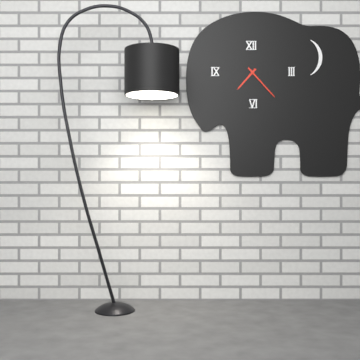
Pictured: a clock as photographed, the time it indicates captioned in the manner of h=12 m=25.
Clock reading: h=7 m=23
